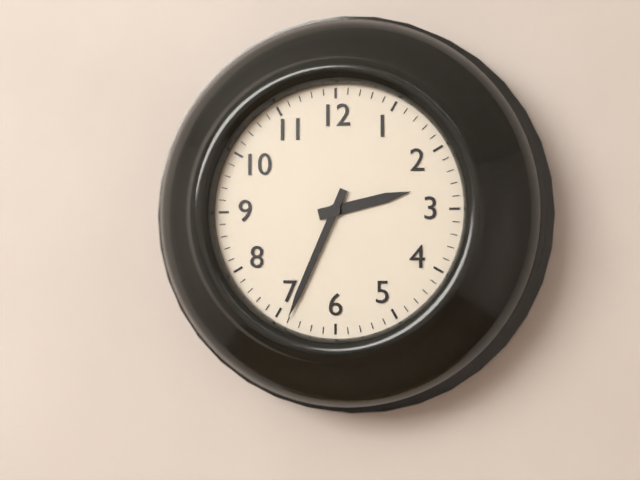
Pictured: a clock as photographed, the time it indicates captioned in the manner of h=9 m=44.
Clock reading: h=2 m=34
